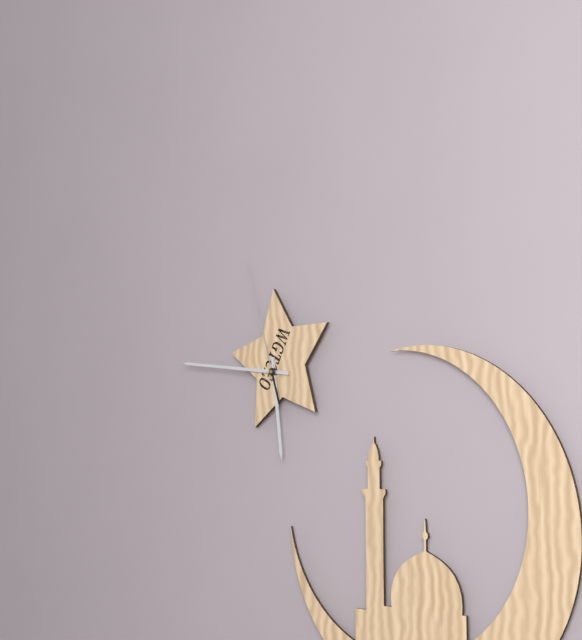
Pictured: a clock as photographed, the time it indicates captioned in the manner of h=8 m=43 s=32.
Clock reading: h=5 m=46 s=57
